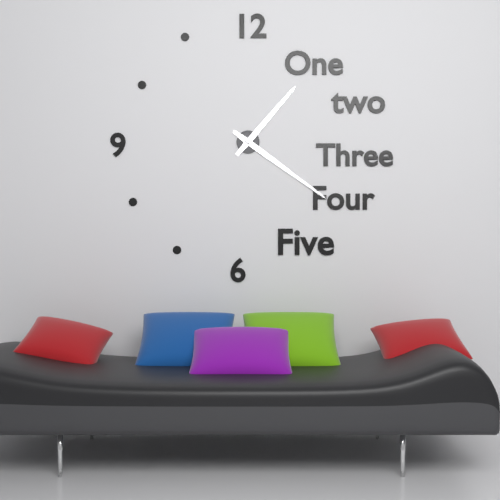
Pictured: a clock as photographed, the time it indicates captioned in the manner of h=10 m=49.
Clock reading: h=1 m=21
